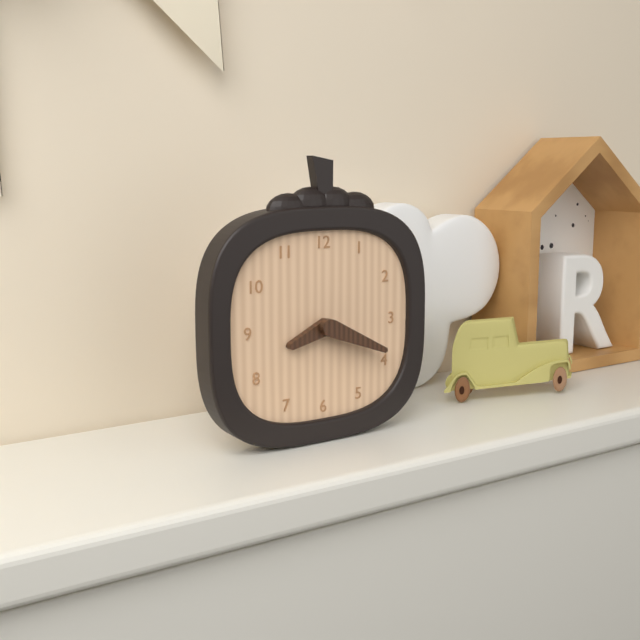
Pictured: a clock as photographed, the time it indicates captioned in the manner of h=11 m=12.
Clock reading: h=8 m=19
